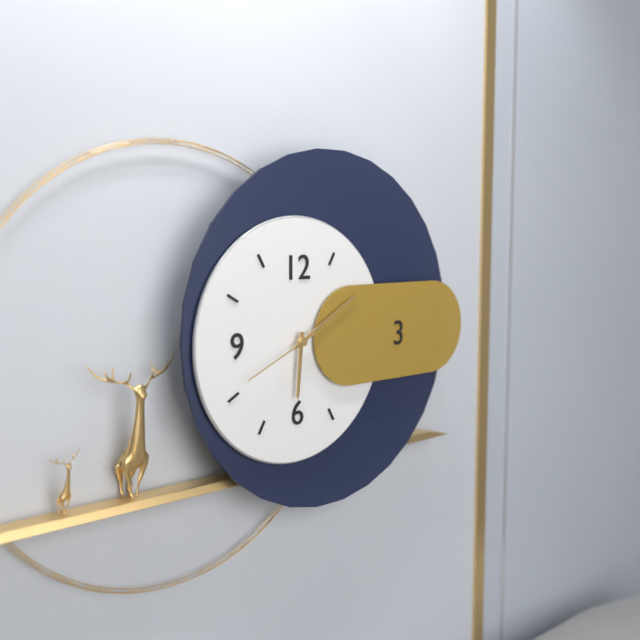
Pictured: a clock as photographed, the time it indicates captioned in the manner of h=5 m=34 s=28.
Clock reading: h=6 m=10 s=41
